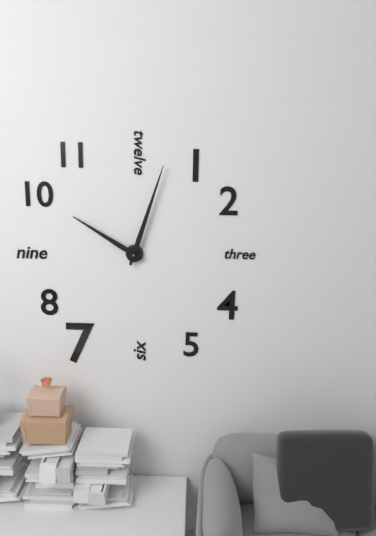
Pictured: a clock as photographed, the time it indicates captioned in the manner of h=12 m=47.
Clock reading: h=10 m=3
